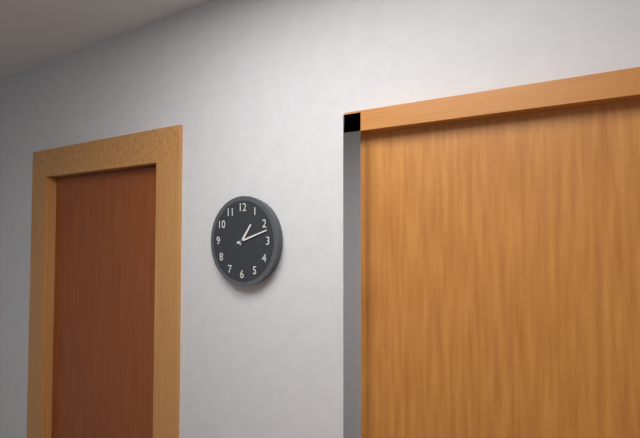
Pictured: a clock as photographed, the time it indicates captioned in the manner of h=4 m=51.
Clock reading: h=1 m=12
